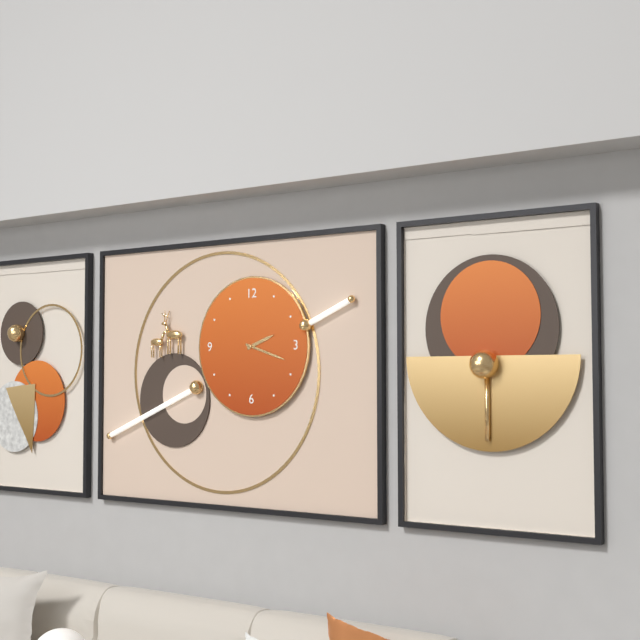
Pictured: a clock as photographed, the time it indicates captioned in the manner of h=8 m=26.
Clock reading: h=2 m=18
